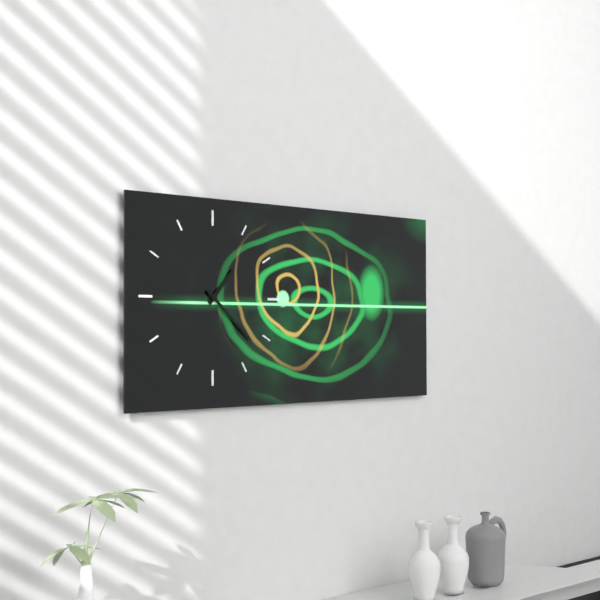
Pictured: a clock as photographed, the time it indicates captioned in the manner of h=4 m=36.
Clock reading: h=1 m=22
